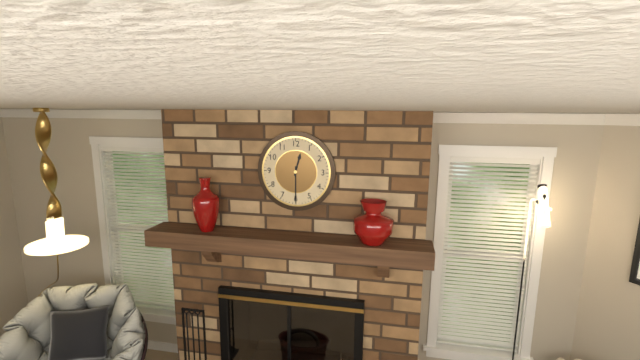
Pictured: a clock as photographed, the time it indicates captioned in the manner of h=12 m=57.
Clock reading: h=12 m=30
